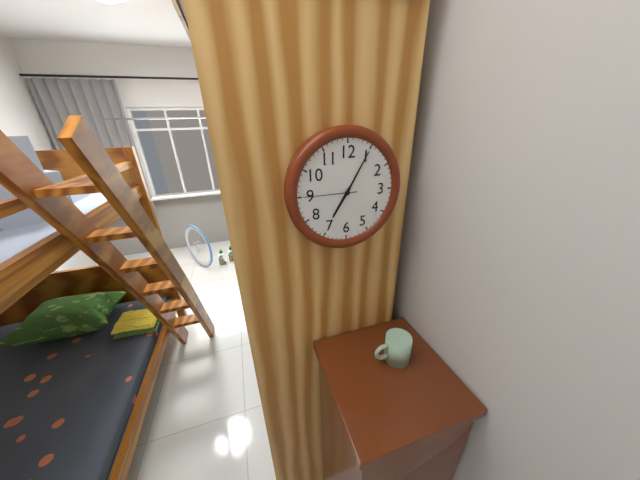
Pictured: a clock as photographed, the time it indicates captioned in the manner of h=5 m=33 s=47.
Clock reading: h=7 m=5 s=45
